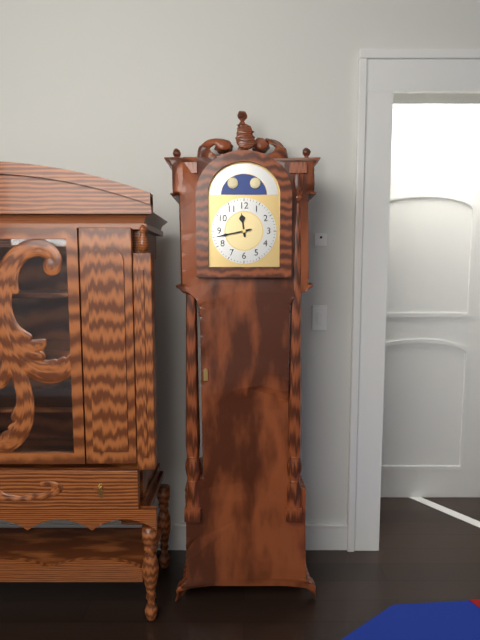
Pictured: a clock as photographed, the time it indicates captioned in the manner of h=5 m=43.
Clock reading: h=11 m=43
